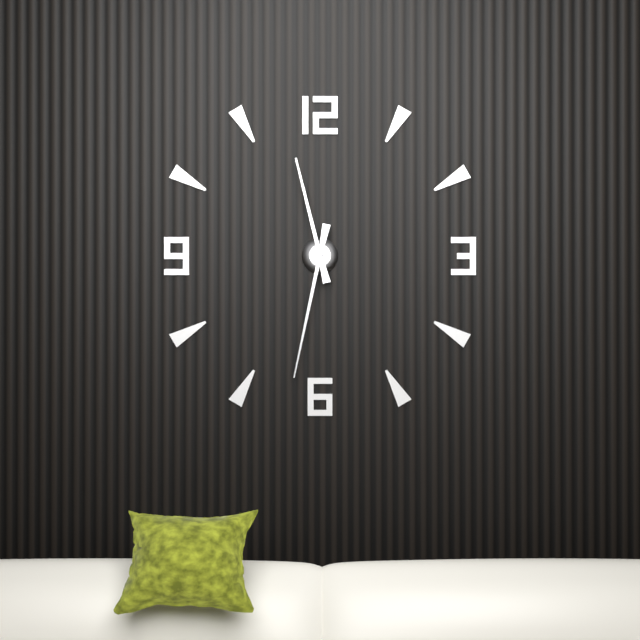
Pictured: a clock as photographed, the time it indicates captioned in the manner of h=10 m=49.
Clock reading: h=11 m=32
